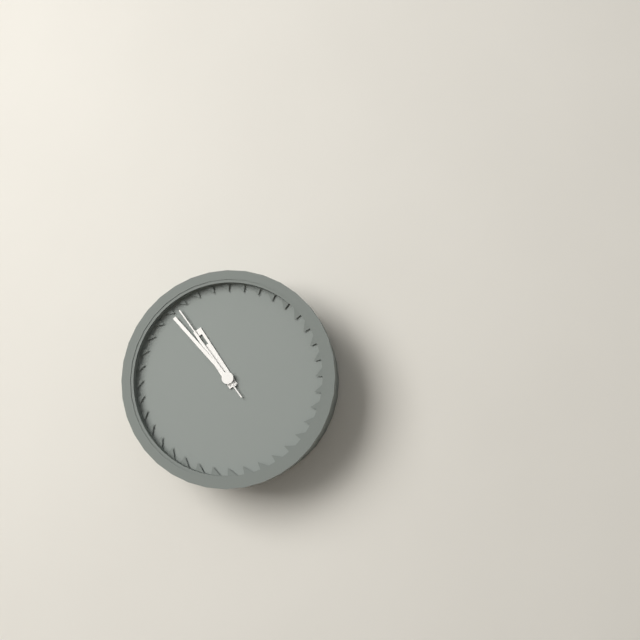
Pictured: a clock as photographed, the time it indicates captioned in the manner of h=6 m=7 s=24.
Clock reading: h=10 m=53 s=54
